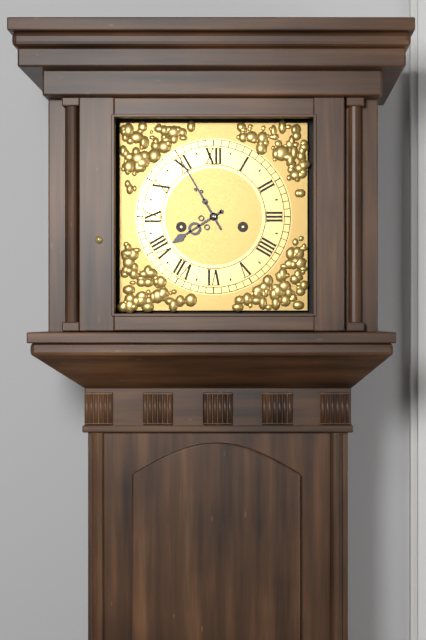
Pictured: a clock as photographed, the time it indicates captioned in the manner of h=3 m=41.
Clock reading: h=7 m=55
